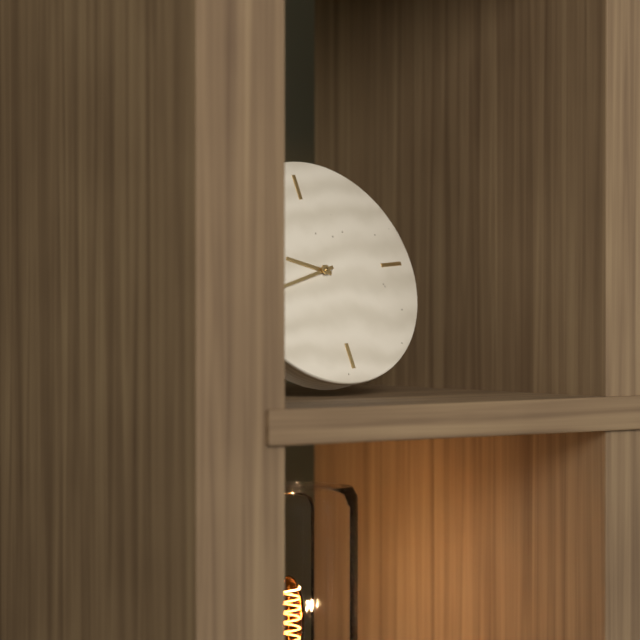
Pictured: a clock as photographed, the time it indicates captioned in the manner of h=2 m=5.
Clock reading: h=9 m=43
